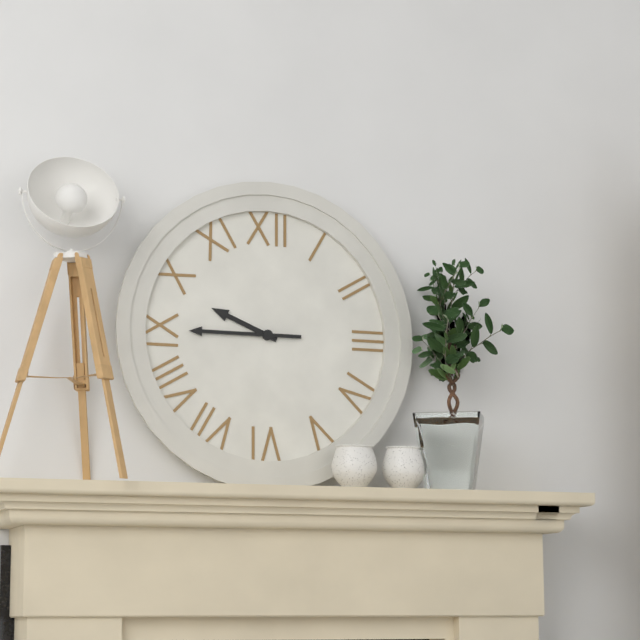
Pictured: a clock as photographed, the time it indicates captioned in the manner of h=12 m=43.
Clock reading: h=9 m=45
